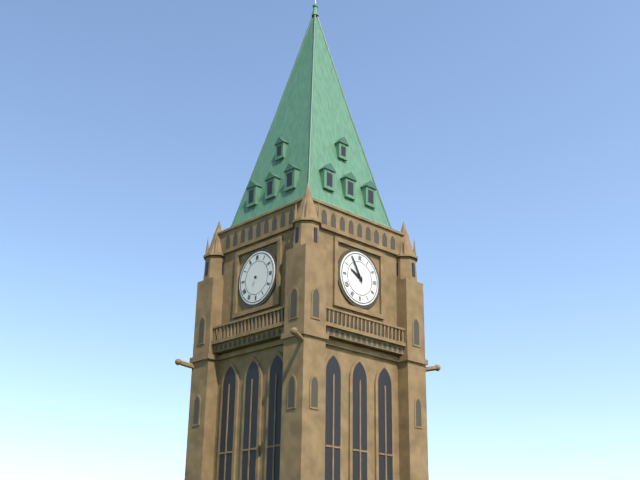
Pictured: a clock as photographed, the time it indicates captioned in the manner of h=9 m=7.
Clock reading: h=9 m=55
